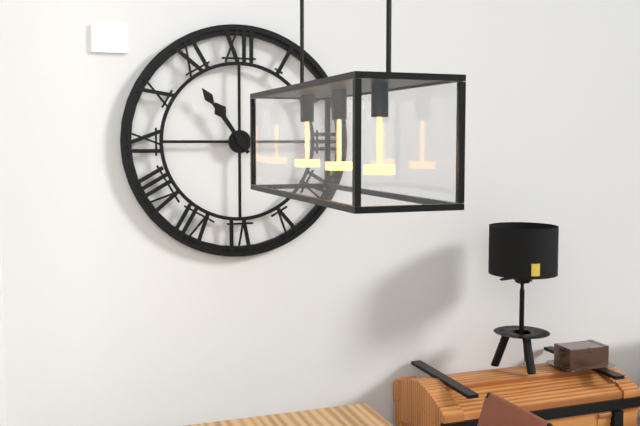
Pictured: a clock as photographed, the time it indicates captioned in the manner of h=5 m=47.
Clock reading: h=10 m=54
